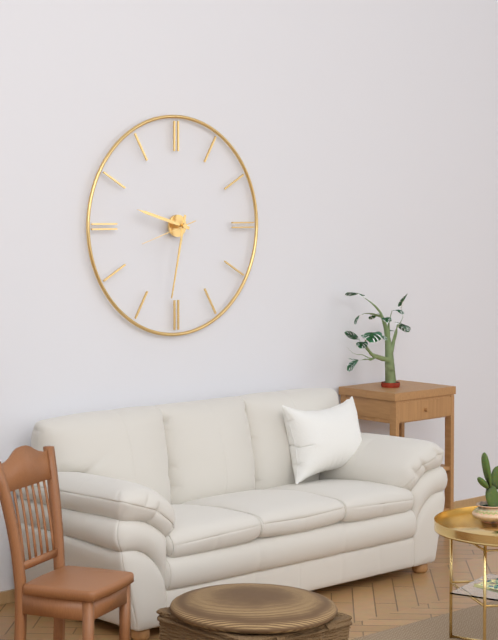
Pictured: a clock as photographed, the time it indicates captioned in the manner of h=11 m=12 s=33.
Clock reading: h=9 m=32 s=42
